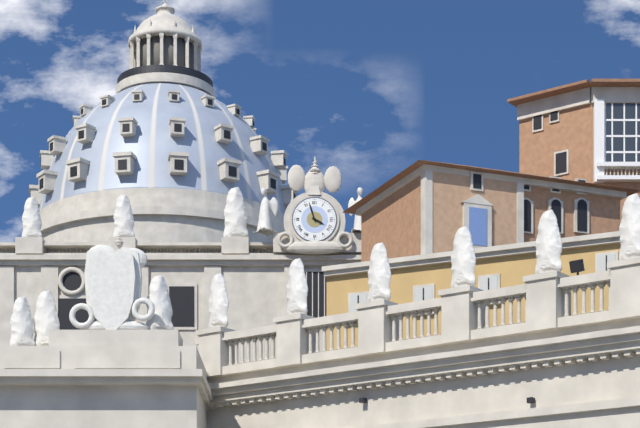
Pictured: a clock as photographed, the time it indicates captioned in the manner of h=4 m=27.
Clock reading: h=3 m=57
